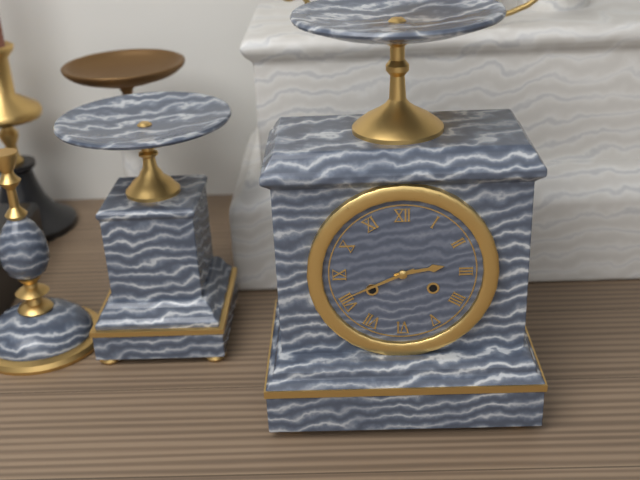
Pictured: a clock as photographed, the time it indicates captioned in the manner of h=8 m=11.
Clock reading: h=2 m=41
